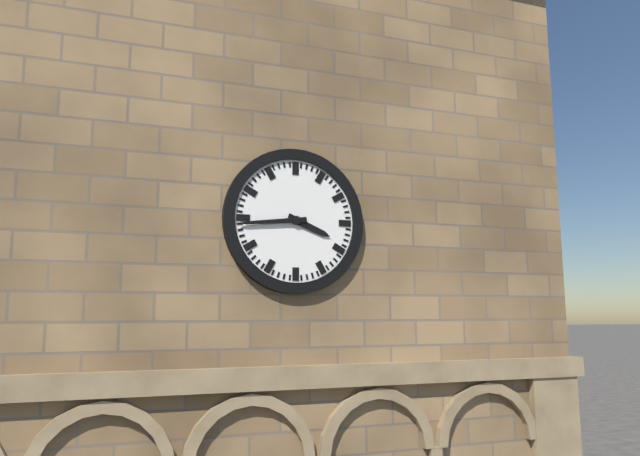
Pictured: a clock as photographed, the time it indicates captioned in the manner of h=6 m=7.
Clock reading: h=3 m=44
